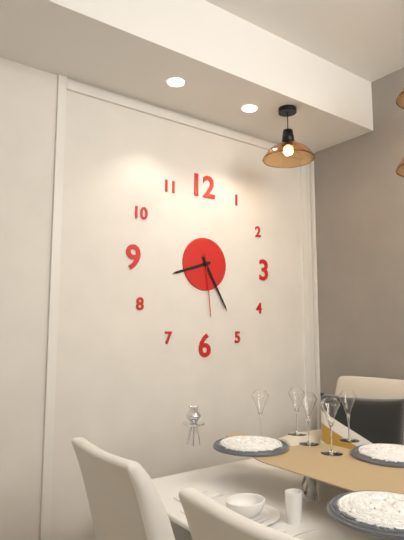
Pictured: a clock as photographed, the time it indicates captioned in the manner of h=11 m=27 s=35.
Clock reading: h=8 m=25 s=29
